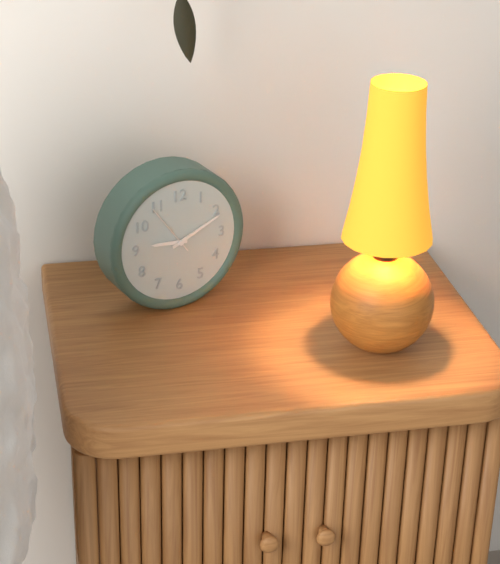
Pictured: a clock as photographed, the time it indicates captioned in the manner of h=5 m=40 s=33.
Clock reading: h=9 m=11 s=54
